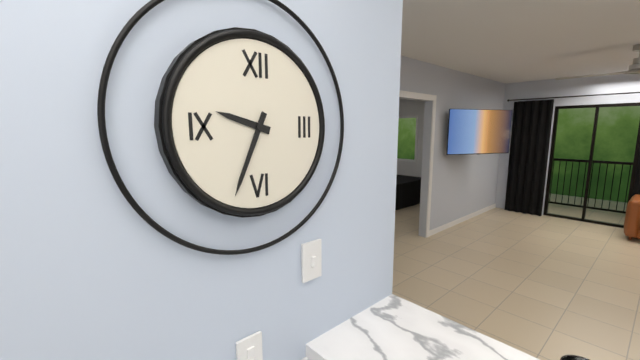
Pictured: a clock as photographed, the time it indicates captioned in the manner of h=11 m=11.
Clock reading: h=9 m=34
